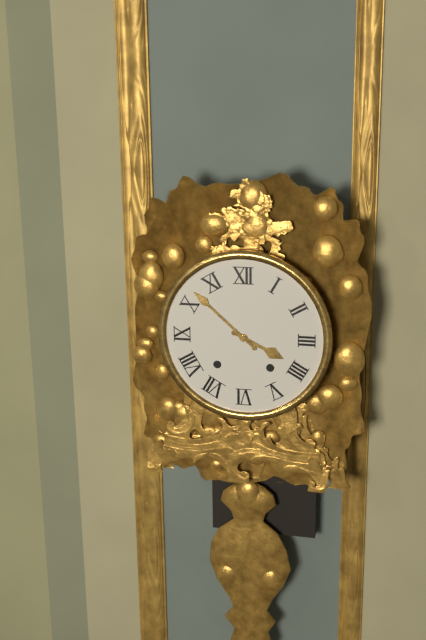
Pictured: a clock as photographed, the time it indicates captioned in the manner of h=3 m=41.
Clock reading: h=3 m=52
